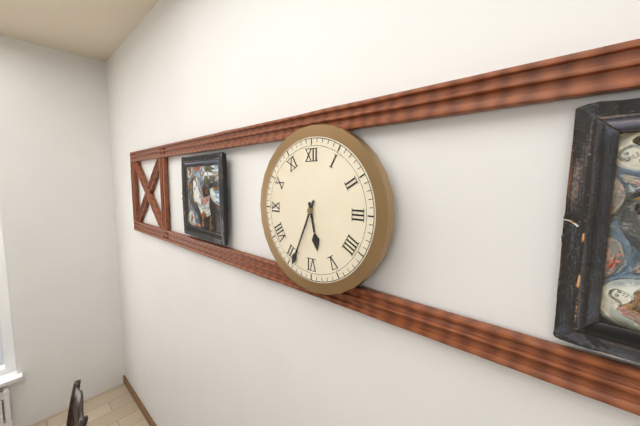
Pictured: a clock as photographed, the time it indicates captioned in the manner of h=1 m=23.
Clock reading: h=5 m=34
